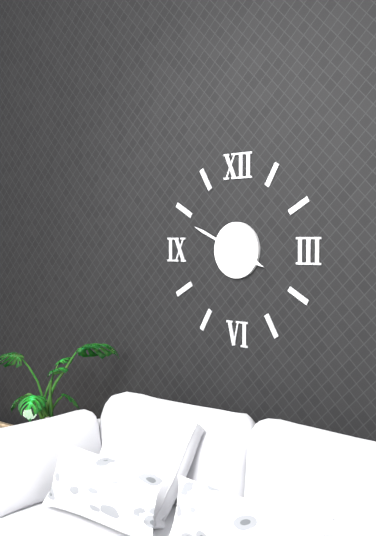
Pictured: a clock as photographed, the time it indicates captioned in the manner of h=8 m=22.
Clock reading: h=3 m=49
